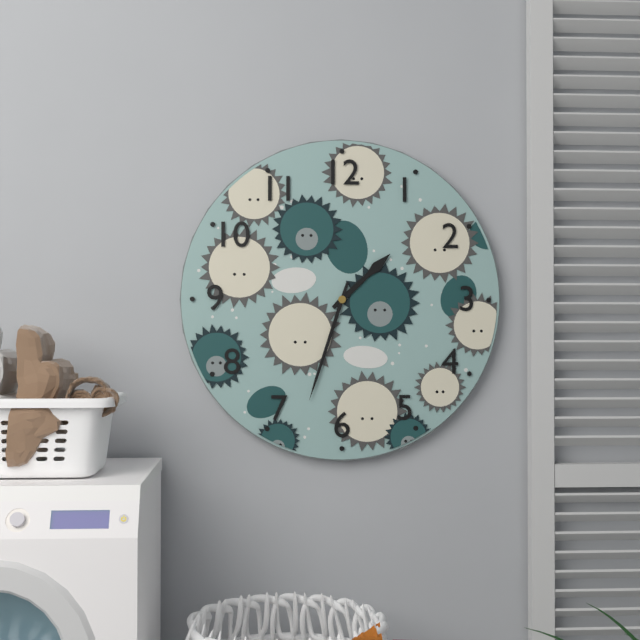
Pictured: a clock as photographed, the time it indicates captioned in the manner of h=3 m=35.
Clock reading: h=1 m=33
